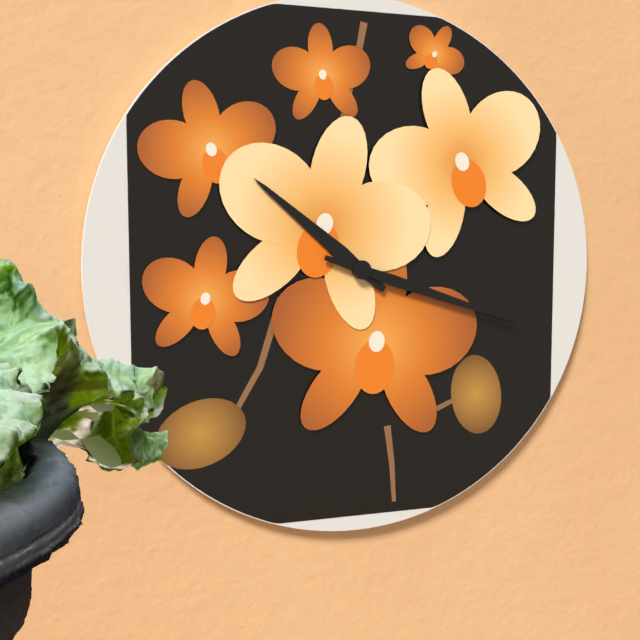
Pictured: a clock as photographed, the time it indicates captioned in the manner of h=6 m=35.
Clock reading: h=10 m=18
